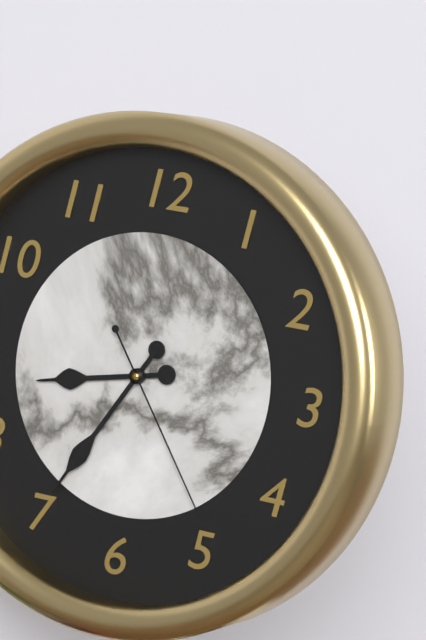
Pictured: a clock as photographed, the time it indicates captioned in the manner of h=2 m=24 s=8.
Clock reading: h=8 m=35 s=24
